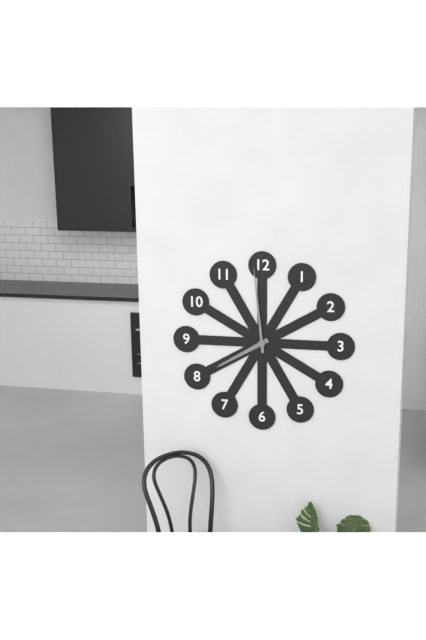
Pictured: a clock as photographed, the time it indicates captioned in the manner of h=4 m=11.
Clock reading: h=7 m=59
